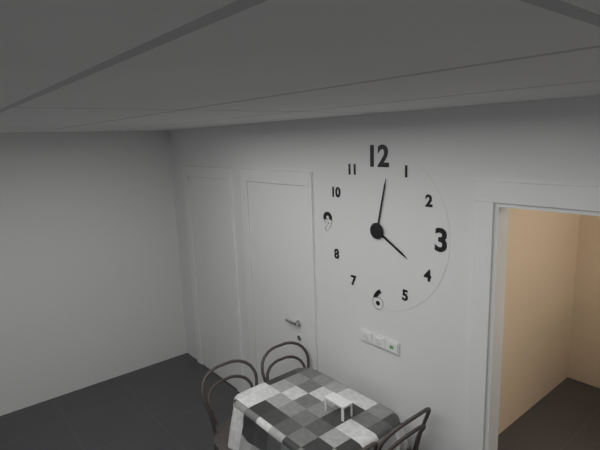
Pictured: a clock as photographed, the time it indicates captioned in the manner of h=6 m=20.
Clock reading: h=4 m=2
